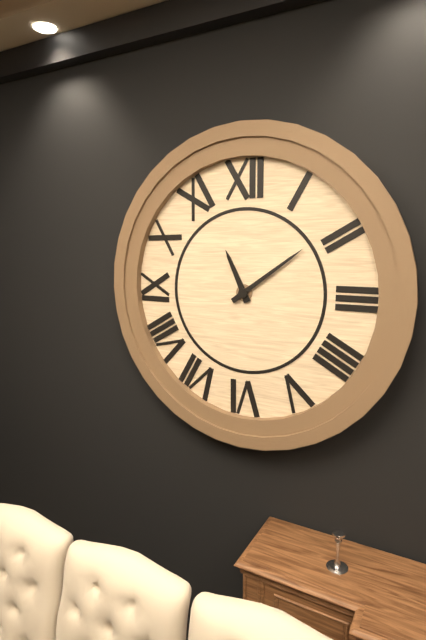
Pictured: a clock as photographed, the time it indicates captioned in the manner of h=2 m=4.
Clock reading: h=11 m=9
